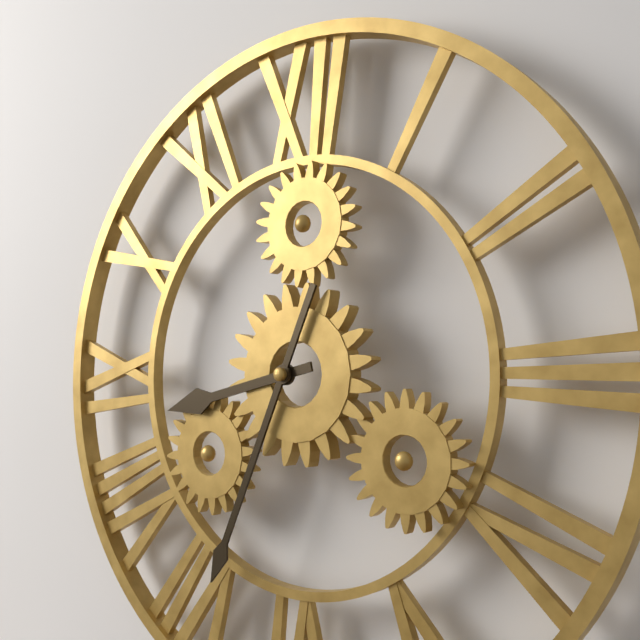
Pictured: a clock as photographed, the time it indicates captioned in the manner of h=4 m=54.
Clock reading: h=8 m=34
